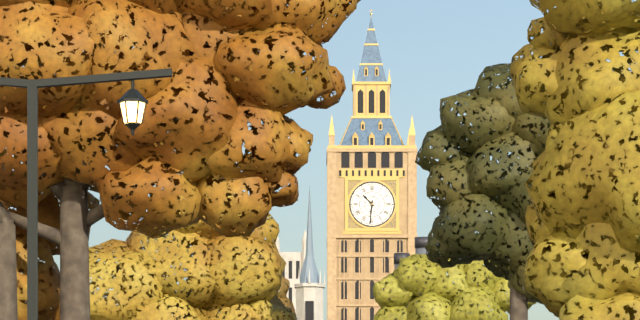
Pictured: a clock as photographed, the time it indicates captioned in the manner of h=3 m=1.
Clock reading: h=10 m=31
